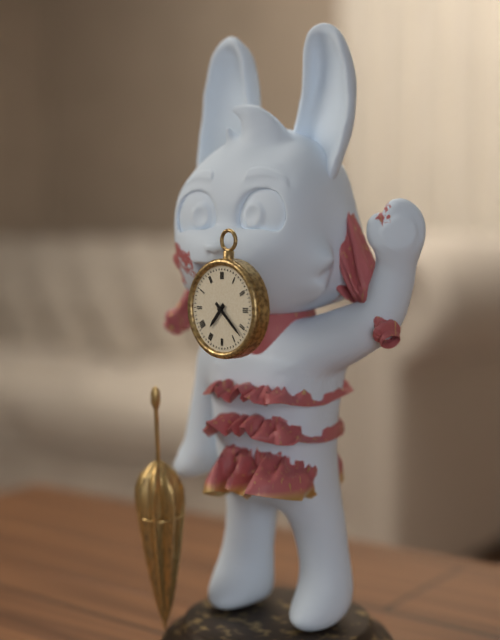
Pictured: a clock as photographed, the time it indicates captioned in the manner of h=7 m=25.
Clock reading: h=7 m=22
